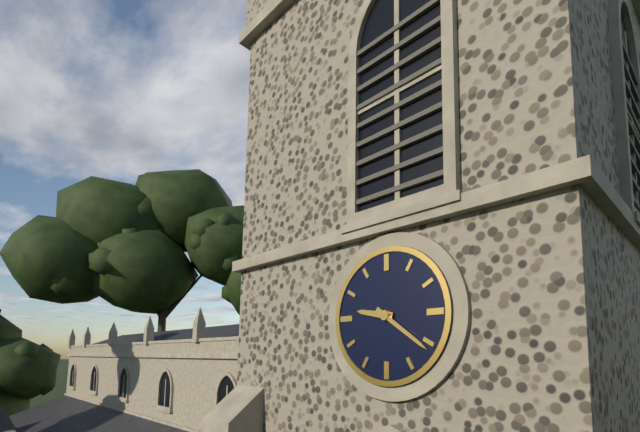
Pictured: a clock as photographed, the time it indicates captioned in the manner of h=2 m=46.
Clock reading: h=9 m=21
